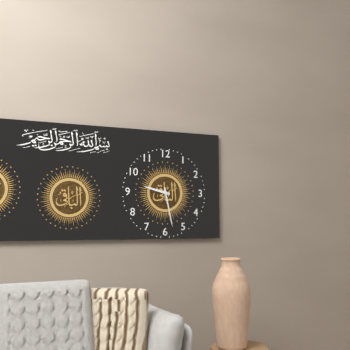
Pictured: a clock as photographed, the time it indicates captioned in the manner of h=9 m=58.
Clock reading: h=9 m=28
